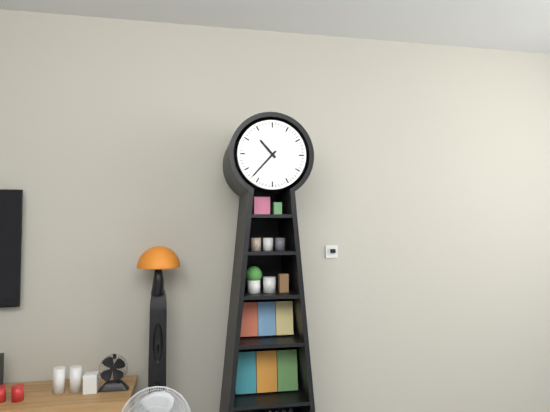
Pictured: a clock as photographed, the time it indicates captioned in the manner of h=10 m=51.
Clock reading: h=10 m=37
